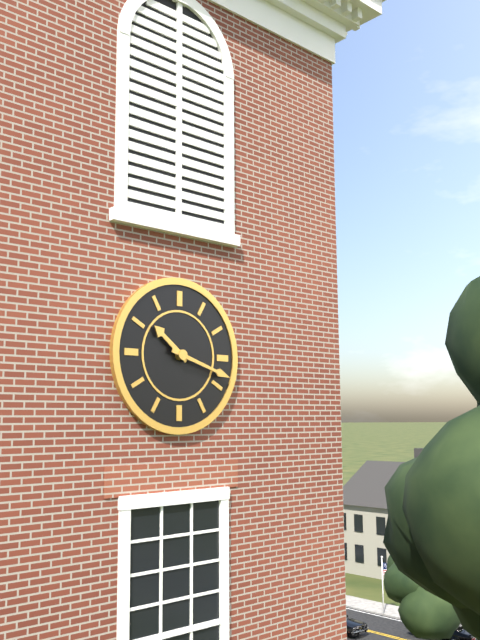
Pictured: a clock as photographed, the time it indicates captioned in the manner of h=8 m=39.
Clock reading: h=10 m=18
